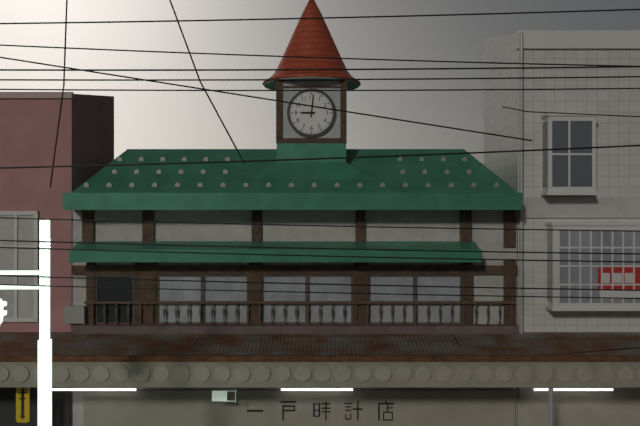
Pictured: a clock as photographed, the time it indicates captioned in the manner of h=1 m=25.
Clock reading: h=9 m=1
